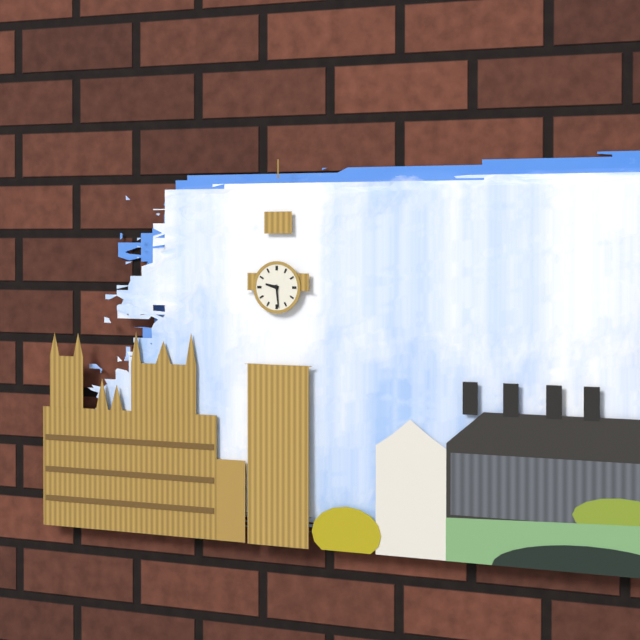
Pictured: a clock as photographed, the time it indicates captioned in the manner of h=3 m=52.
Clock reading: h=9 m=29
